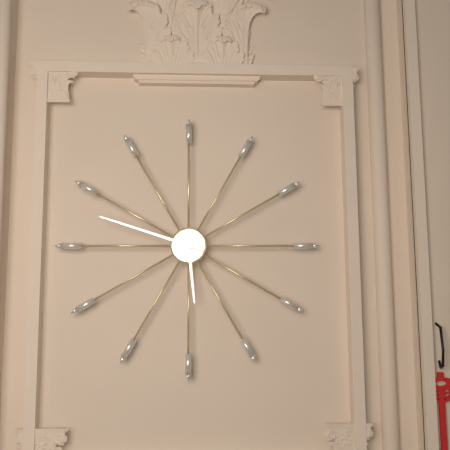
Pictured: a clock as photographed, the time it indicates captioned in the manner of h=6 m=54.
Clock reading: h=5 m=48
